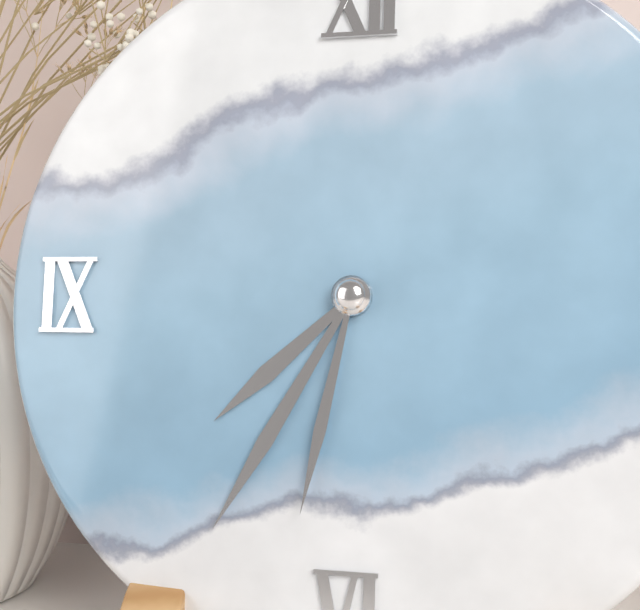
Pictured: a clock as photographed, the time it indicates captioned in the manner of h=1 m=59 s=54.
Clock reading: h=7 m=35 s=32
